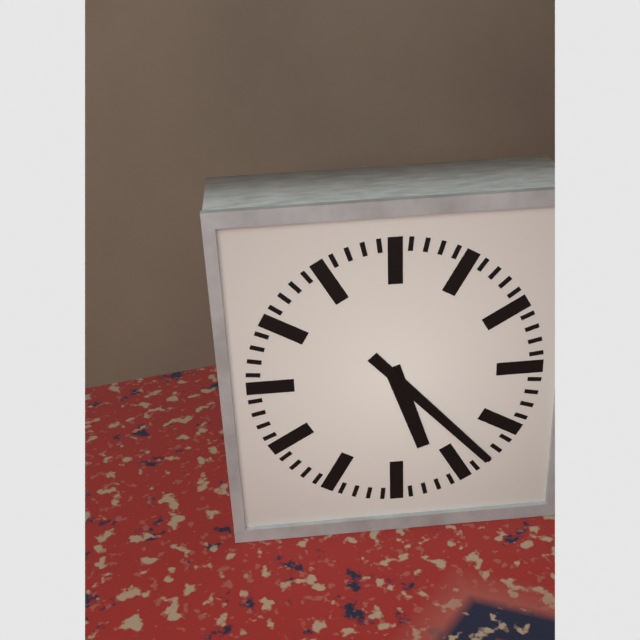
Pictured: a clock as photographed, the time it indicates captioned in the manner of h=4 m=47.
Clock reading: h=5 m=23
